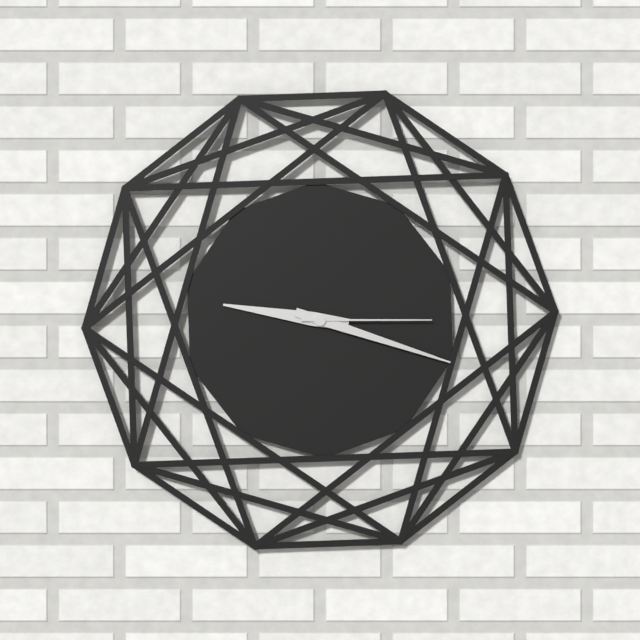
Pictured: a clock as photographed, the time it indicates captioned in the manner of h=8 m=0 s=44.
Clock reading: h=9 m=18 s=15
